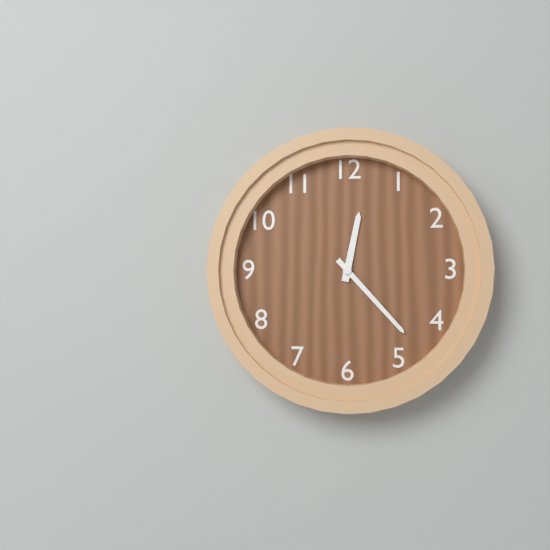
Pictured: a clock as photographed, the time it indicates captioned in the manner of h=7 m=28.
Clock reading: h=12 m=23
